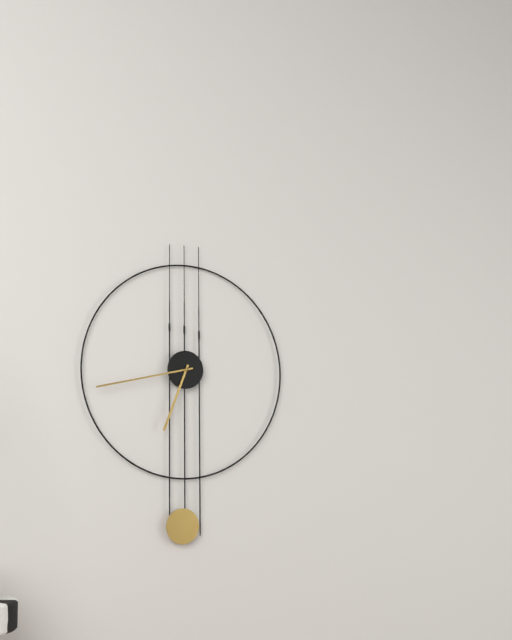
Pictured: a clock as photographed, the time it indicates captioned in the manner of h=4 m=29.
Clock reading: h=6 m=43
